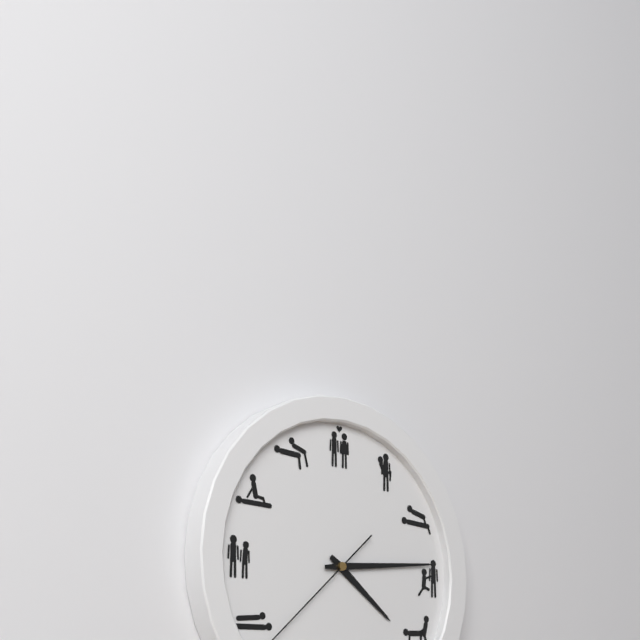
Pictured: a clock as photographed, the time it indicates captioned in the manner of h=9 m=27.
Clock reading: h=4 m=14
